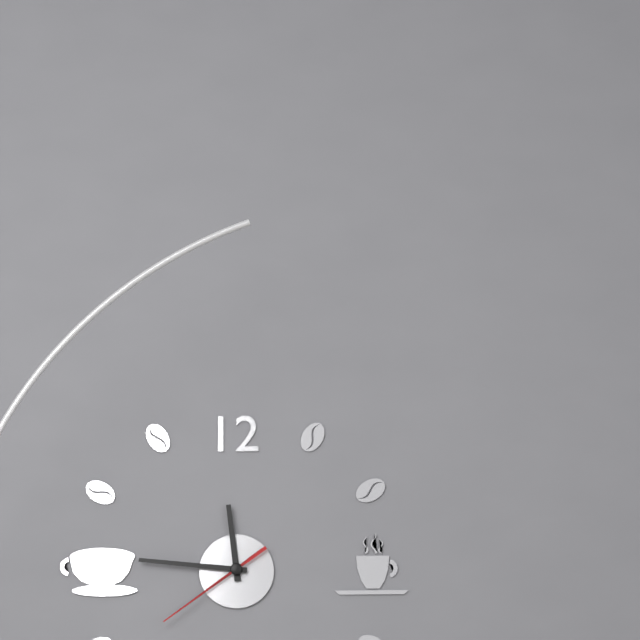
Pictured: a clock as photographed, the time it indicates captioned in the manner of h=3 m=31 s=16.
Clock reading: h=11 m=46 s=39
